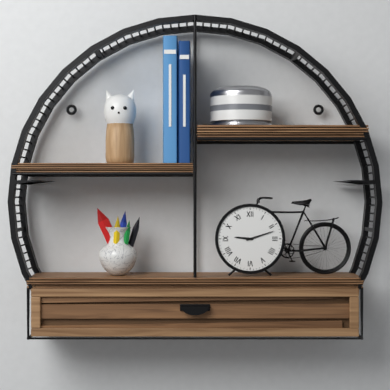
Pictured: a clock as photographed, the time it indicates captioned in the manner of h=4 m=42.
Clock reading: h=9 m=12
